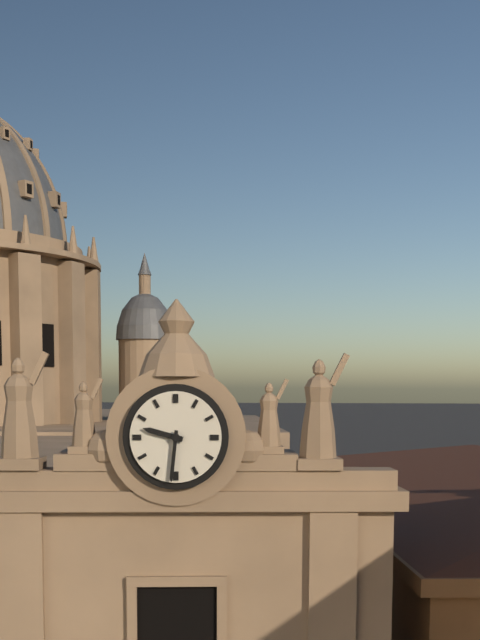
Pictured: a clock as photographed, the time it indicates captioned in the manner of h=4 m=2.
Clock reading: h=9 m=31
